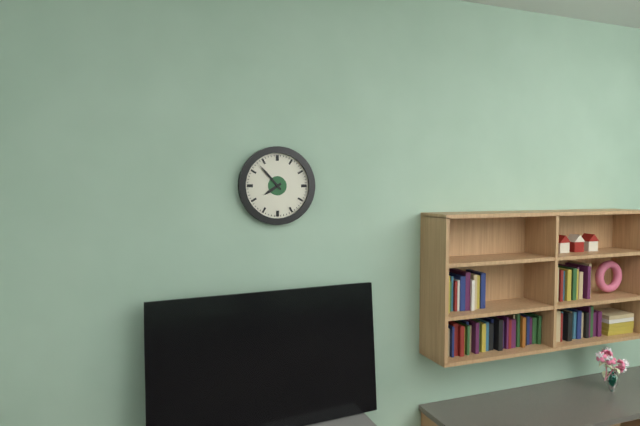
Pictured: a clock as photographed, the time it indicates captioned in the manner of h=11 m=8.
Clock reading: h=7 m=53
